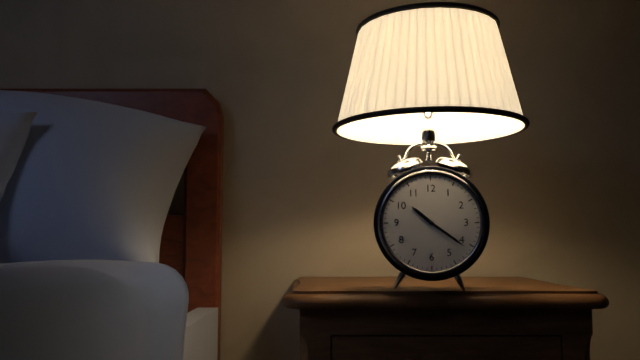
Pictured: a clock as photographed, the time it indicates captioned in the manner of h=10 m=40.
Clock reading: h=10 m=21
